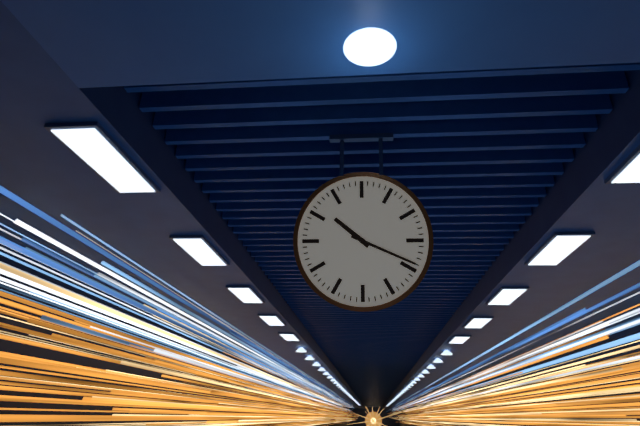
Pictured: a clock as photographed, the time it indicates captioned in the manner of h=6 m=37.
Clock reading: h=10 m=19
